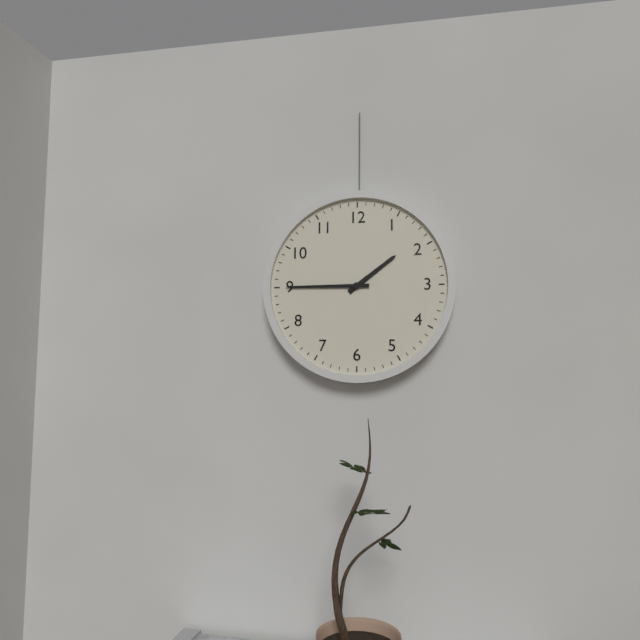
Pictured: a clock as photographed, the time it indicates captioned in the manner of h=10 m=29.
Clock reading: h=1 m=45
